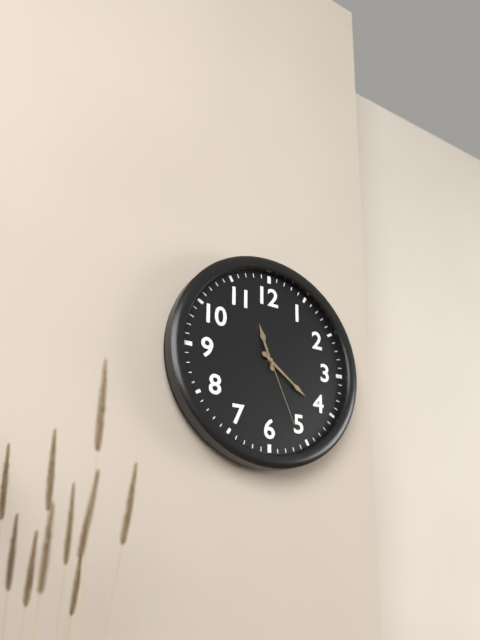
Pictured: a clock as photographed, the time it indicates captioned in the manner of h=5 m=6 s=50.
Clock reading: h=11 m=21 s=26
